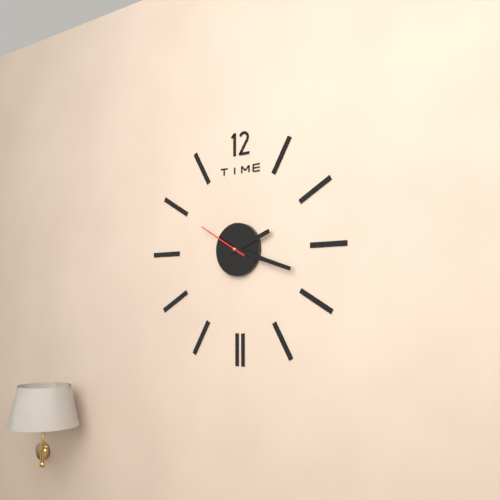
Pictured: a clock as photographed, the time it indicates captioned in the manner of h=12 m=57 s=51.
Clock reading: h=2 m=18 s=50
